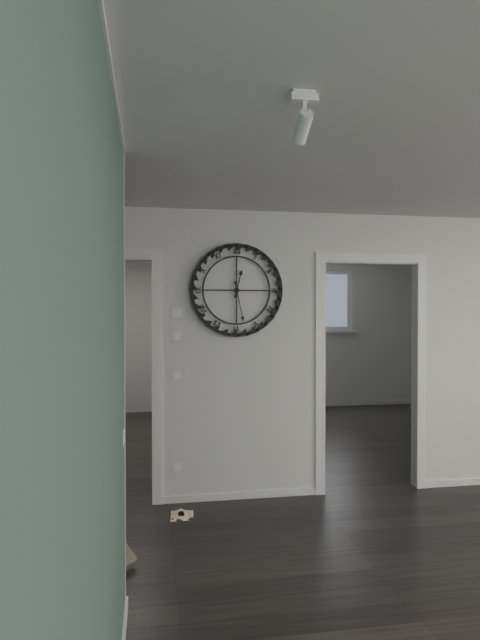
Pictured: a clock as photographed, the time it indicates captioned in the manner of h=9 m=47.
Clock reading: h=12 m=28
